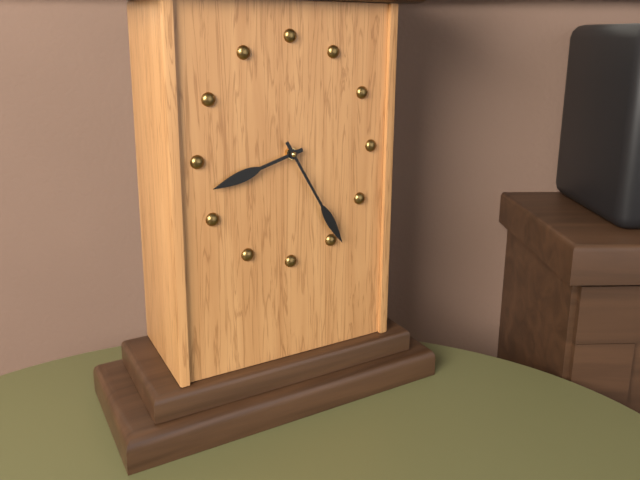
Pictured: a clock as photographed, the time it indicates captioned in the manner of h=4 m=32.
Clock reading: h=8 m=25
